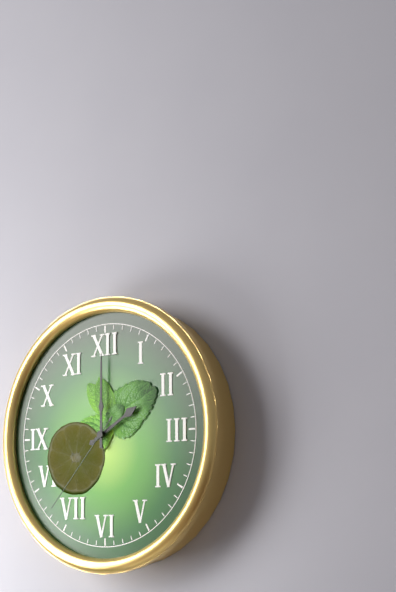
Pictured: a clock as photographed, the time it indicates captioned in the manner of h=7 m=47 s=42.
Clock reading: h=2 m=0 s=37
